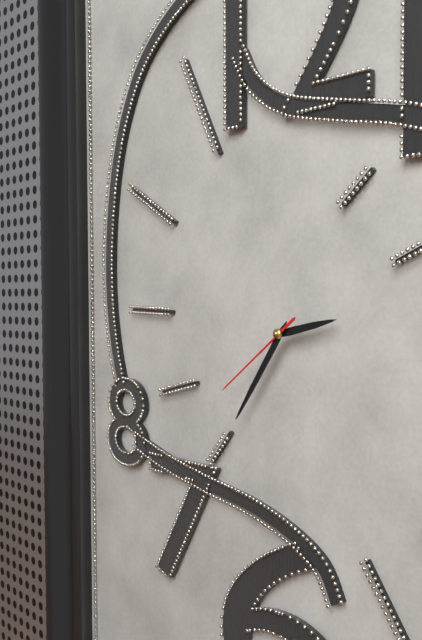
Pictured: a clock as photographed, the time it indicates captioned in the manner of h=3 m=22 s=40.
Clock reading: h=2 m=36 s=39
